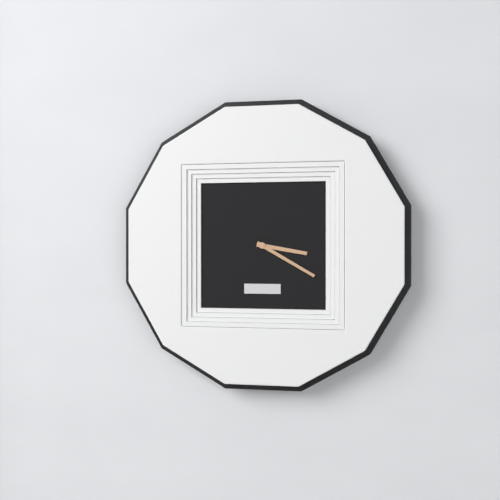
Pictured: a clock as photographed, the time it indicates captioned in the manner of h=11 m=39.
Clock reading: h=3 m=20
